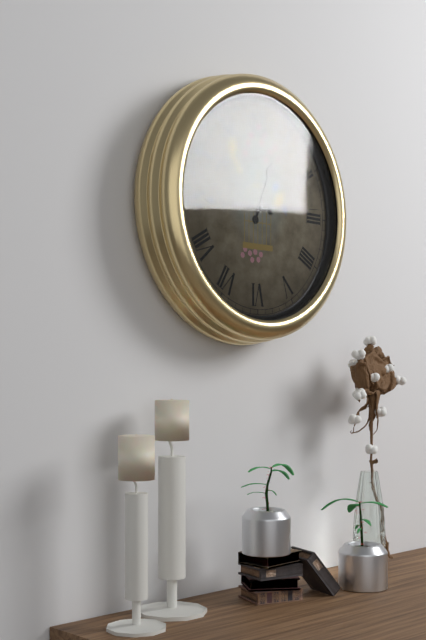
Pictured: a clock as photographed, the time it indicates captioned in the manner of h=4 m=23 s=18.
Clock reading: h=12 m=45 s=14
